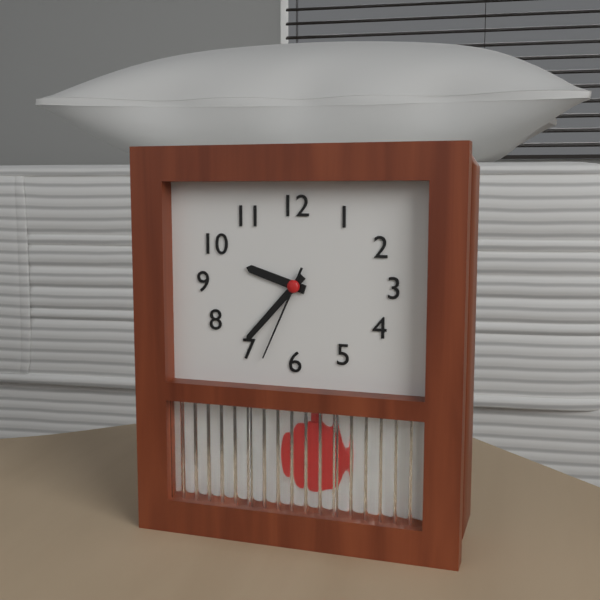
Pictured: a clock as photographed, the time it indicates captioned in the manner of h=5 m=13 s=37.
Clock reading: h=9 m=37 s=34
